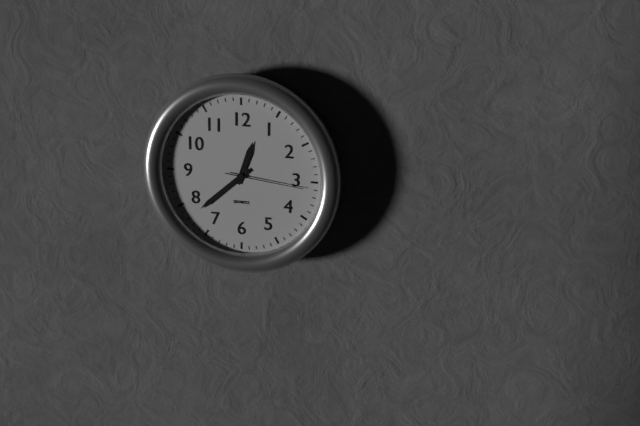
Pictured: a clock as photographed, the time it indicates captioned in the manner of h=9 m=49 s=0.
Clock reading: h=12 m=38 s=16
